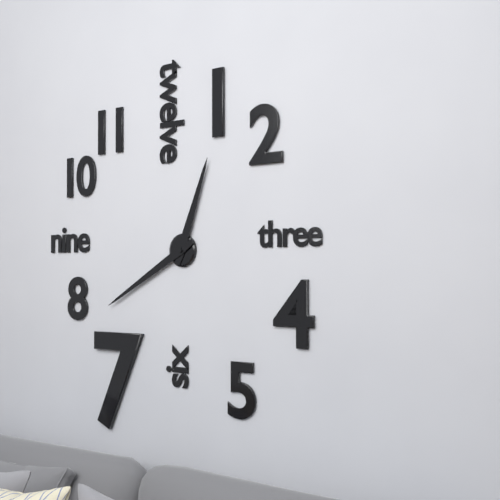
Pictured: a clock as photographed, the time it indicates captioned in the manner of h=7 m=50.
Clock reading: h=12 m=40
